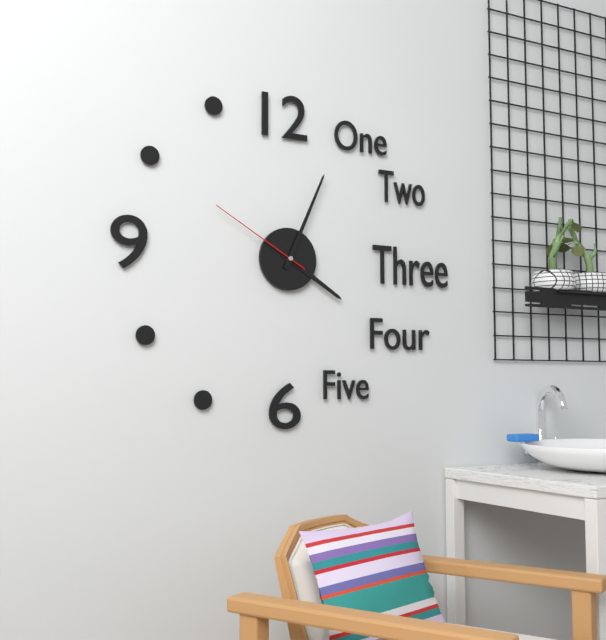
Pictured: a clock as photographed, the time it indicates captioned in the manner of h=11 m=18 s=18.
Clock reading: h=4 m=4 s=50
